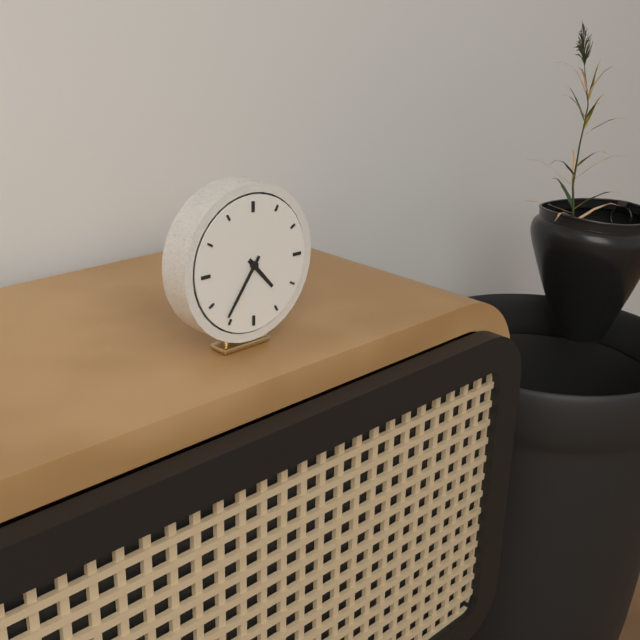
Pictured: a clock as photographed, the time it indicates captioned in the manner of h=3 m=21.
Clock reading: h=4 m=36
